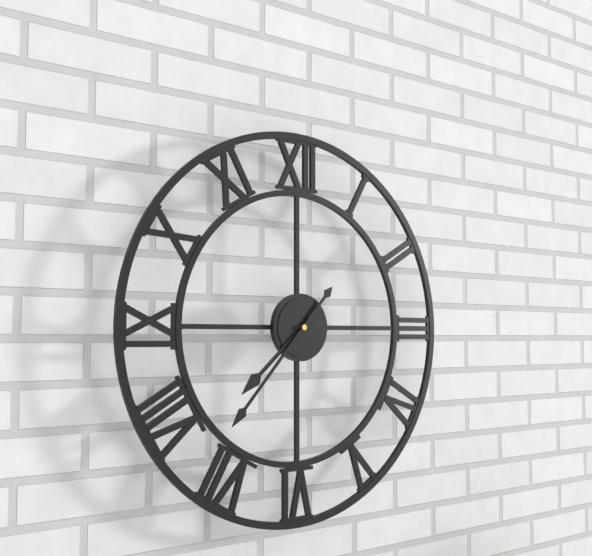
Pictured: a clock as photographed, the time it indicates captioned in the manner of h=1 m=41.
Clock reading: h=7 m=37
